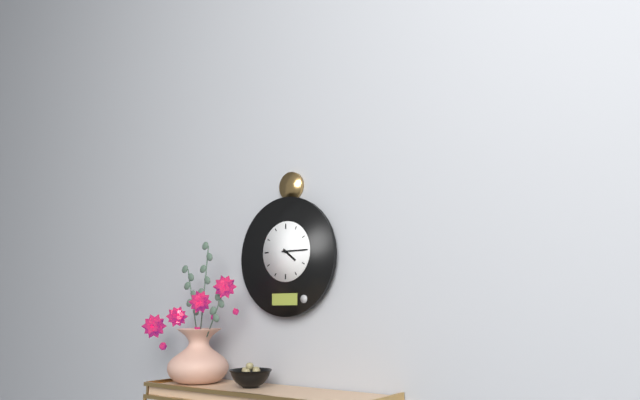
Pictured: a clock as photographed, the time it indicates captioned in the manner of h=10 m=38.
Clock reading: h=4 m=15
